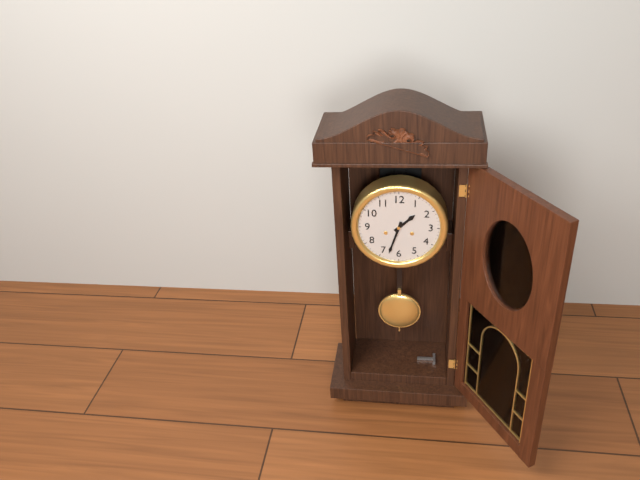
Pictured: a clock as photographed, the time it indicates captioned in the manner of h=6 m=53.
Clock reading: h=1 m=33
